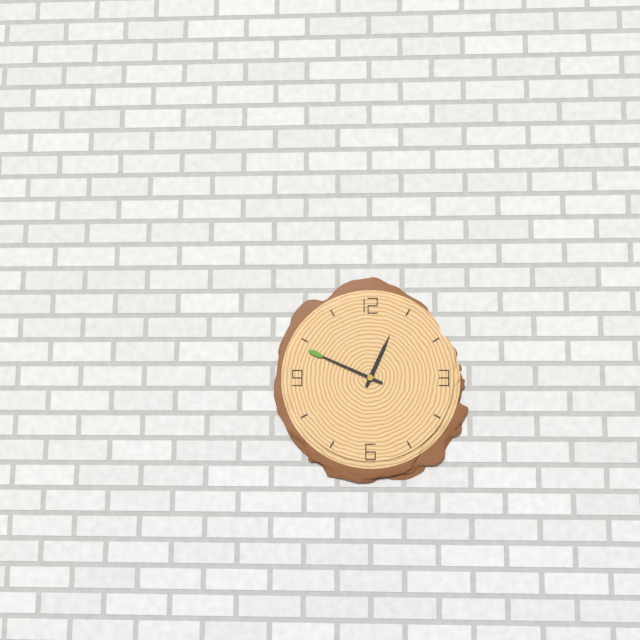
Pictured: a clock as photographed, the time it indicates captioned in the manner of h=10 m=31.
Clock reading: h=12 m=49
